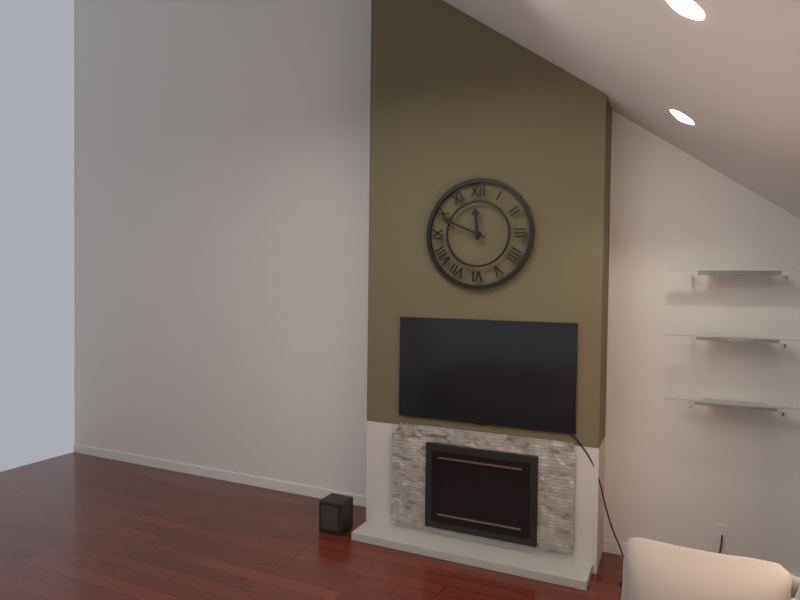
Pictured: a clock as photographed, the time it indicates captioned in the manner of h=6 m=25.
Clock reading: h=11 m=49
